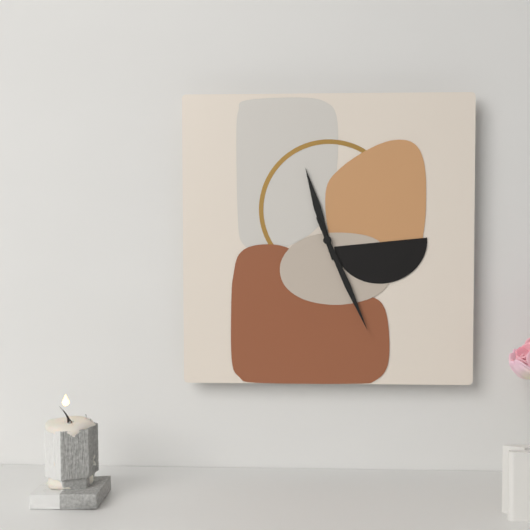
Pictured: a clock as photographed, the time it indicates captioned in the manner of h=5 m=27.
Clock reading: h=11 m=26
